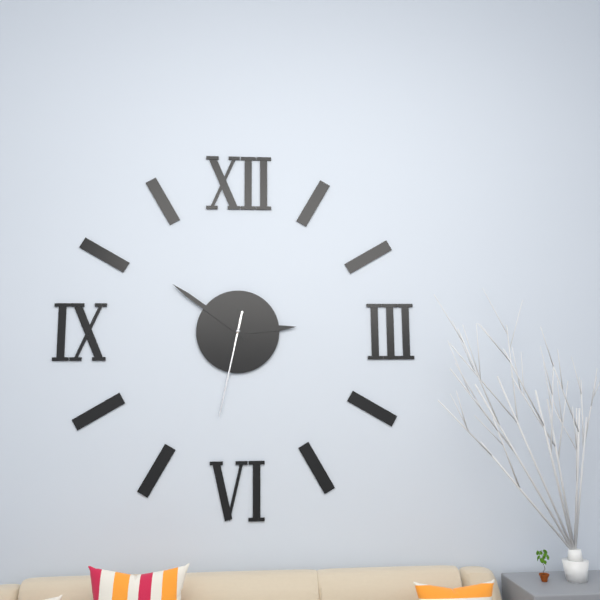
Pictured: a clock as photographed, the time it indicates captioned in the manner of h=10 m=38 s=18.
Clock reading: h=2 m=51 s=32
